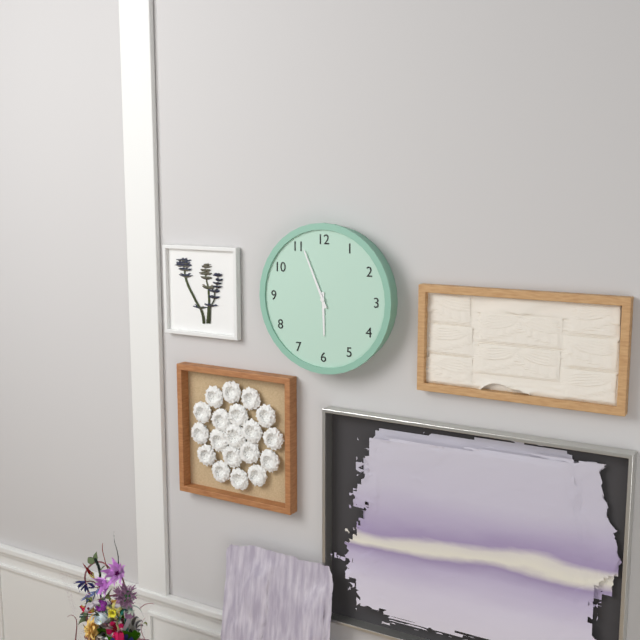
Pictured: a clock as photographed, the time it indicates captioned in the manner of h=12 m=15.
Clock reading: h=5 m=56
